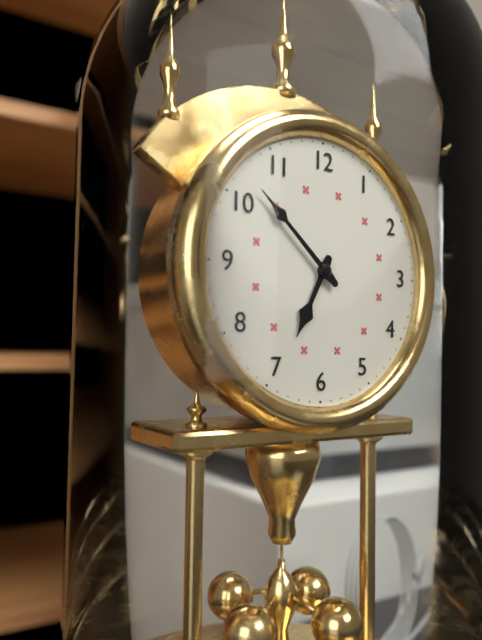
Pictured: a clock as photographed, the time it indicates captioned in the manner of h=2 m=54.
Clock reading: h=6 m=52
